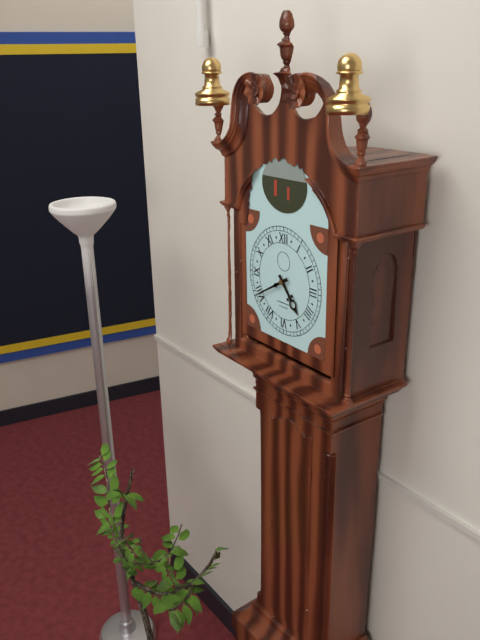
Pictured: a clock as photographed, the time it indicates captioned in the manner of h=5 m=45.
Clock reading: h=4 m=40
